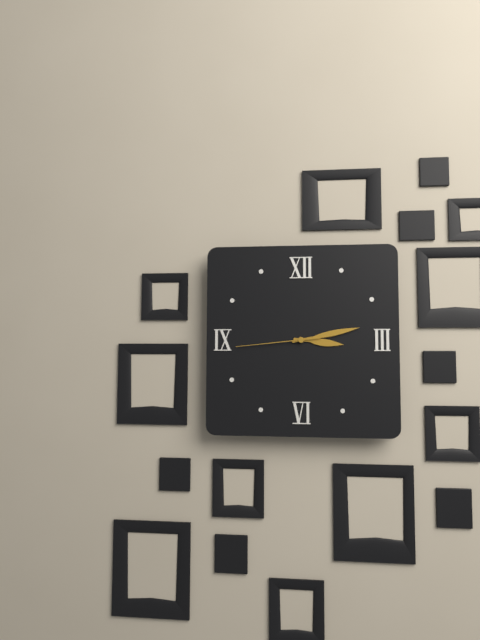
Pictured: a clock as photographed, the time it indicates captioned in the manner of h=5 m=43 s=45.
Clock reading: h=3 m=13 s=44
